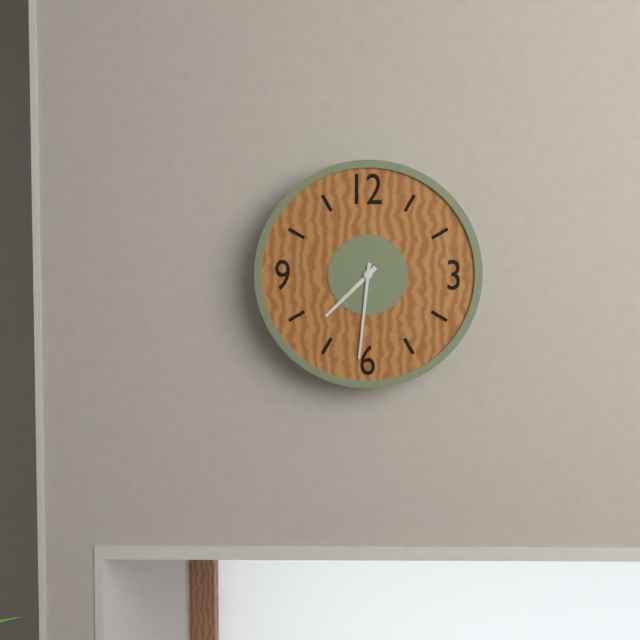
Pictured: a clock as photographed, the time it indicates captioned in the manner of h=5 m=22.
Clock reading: h=7 m=31
